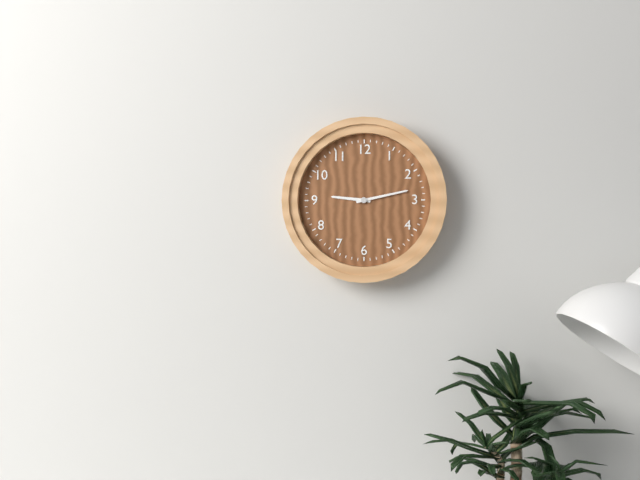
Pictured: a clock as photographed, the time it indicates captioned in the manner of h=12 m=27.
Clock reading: h=9 m=13
